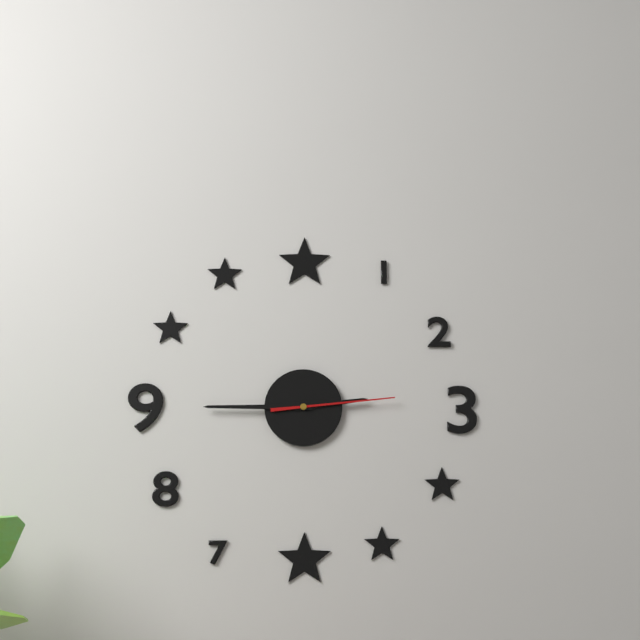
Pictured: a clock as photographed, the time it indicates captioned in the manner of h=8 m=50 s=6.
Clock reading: h=2 m=45 s=14
